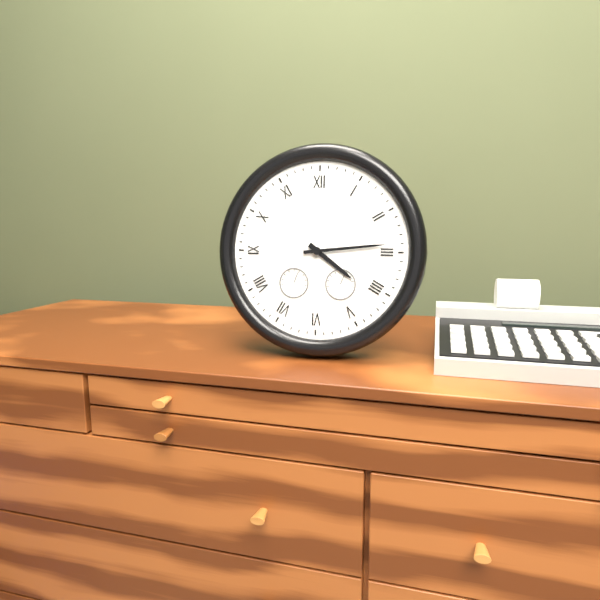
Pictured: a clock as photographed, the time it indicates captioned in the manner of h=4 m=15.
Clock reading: h=4 m=14
